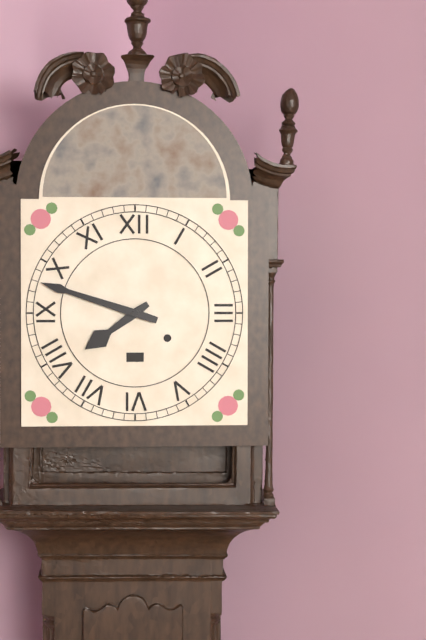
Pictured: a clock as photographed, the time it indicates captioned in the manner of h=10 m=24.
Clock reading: h=7 m=48
